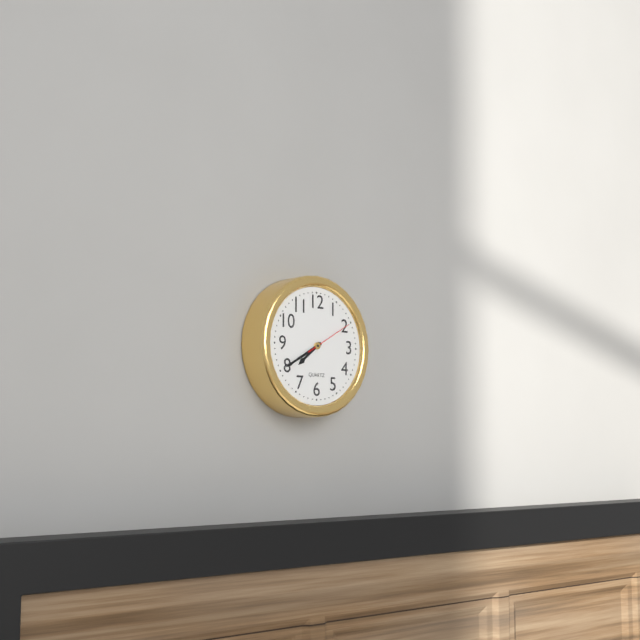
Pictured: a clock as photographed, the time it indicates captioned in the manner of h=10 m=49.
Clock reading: h=7 m=40
